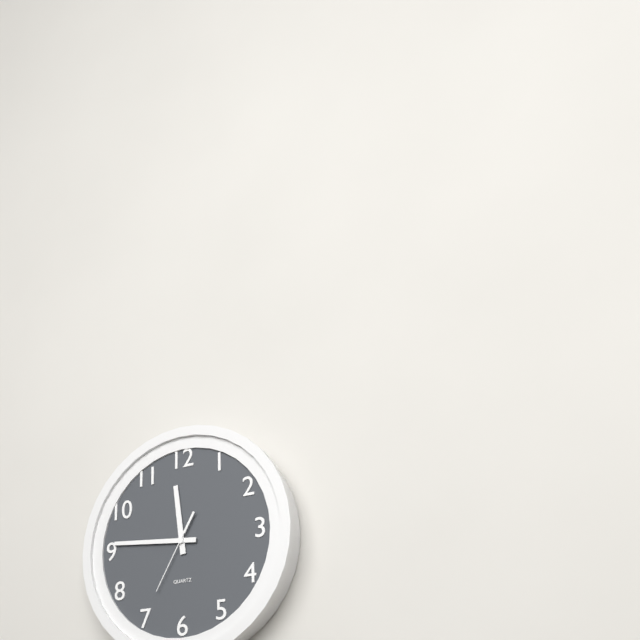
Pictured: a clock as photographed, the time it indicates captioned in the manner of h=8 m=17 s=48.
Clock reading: h=11 m=46 s=35
